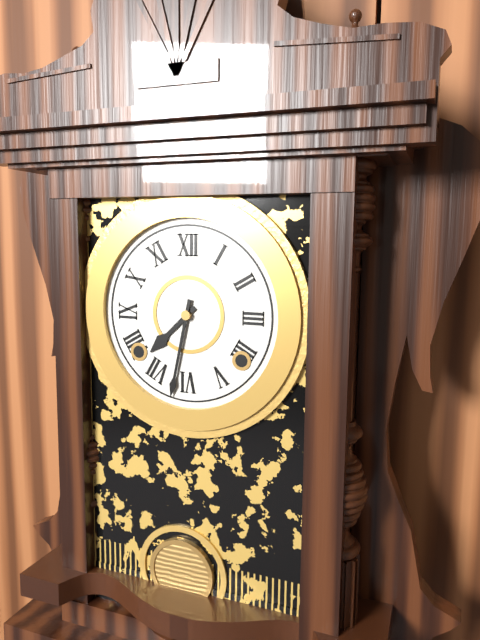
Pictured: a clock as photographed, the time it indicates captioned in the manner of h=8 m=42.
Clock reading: h=7 m=32
